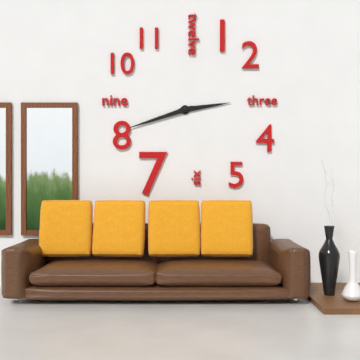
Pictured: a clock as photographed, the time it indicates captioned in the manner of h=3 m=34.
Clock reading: h=2 m=42
